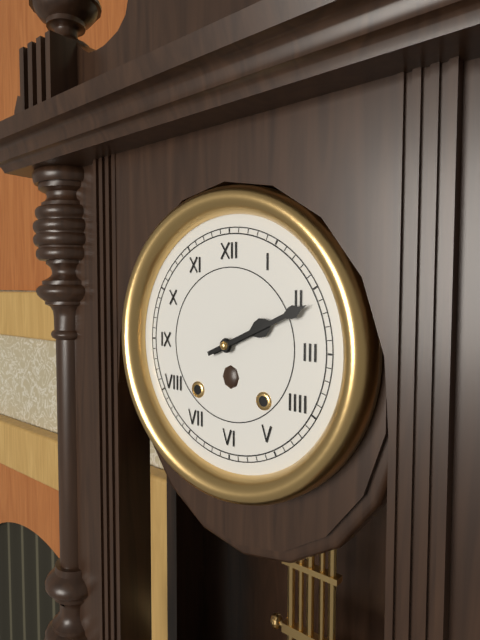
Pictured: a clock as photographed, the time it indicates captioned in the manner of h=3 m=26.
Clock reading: h=2 m=11
